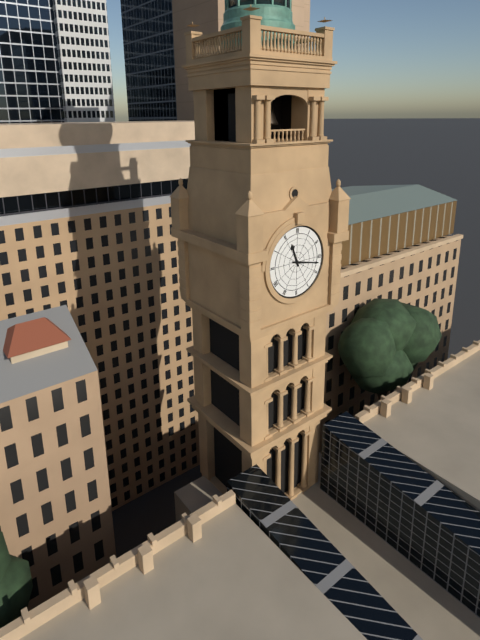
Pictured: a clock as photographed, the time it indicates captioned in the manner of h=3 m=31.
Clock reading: h=11 m=17
